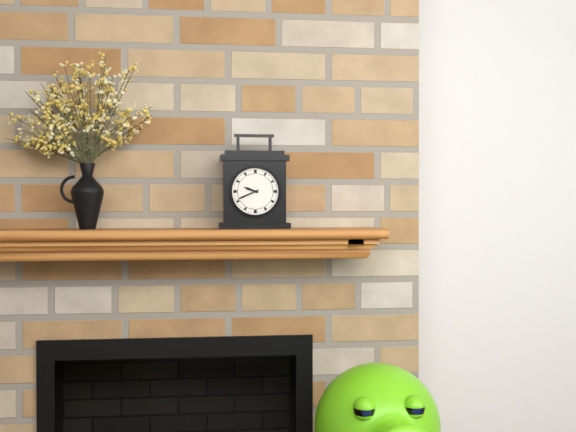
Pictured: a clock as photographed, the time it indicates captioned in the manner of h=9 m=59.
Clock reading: h=9 m=41
